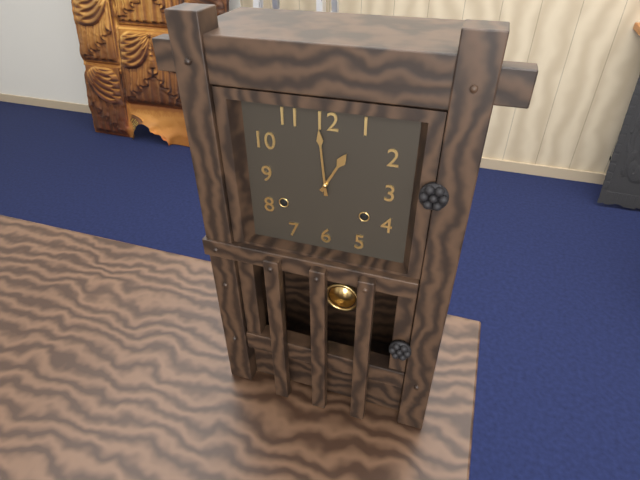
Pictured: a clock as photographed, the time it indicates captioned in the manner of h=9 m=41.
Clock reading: h=12 m=59
